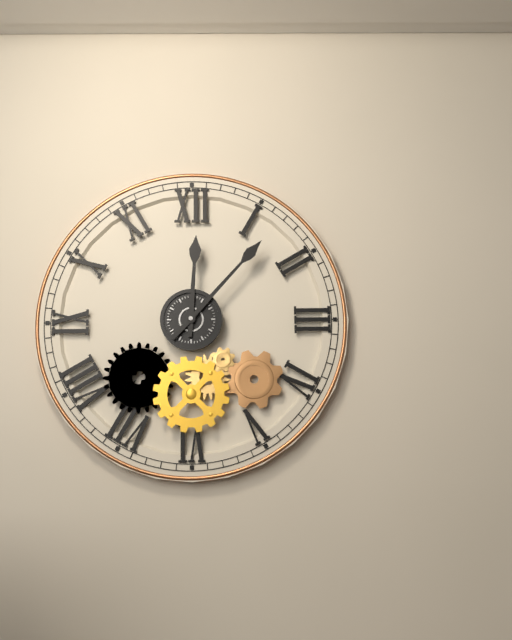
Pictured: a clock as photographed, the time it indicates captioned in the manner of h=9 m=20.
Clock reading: h=12 m=7
